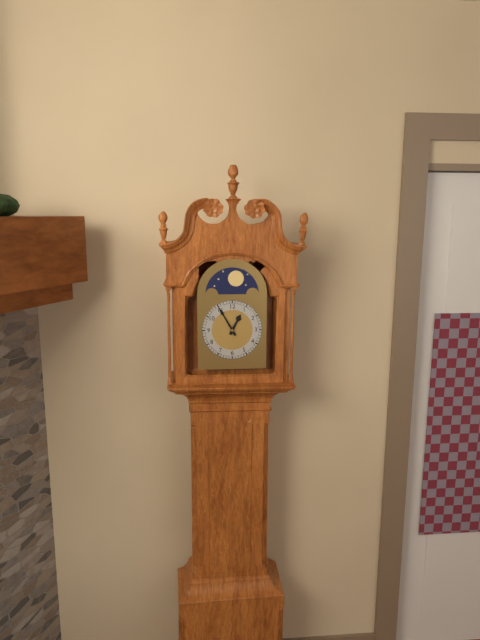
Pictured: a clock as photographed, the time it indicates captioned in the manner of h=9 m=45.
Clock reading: h=12 m=55
